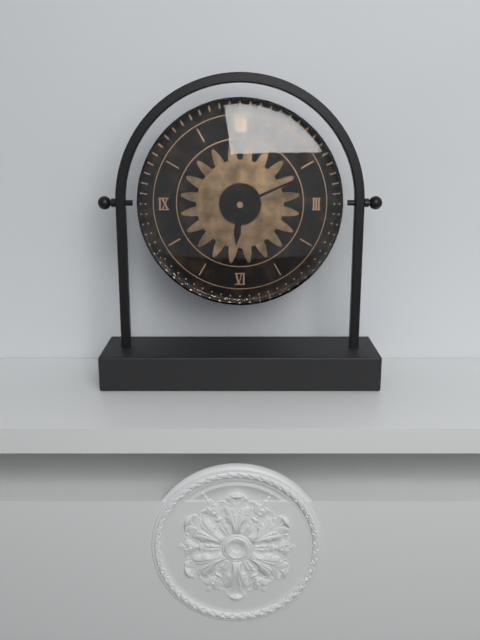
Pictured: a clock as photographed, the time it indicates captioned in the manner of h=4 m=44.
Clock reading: h=6 m=11
